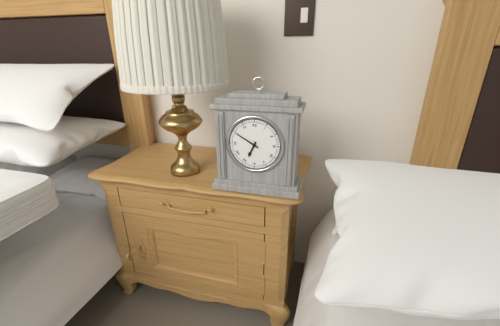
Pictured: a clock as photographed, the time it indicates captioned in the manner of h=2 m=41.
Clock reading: h=6 m=50
